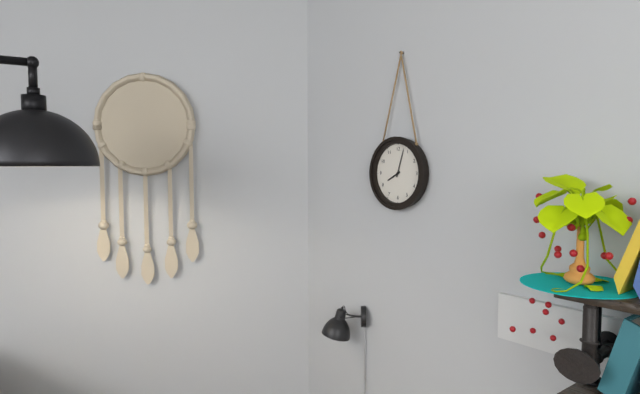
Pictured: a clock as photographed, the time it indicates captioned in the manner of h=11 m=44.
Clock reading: h=8 m=3
